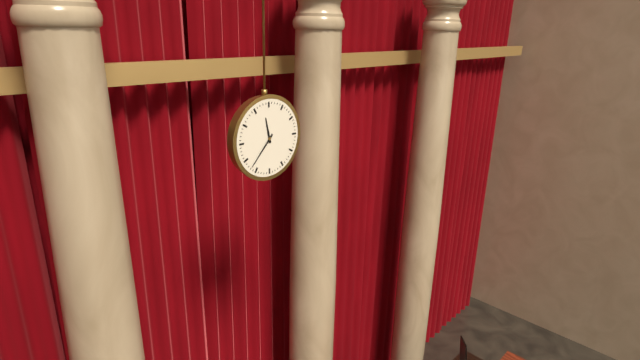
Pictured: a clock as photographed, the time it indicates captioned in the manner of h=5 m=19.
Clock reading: h=11 m=37
